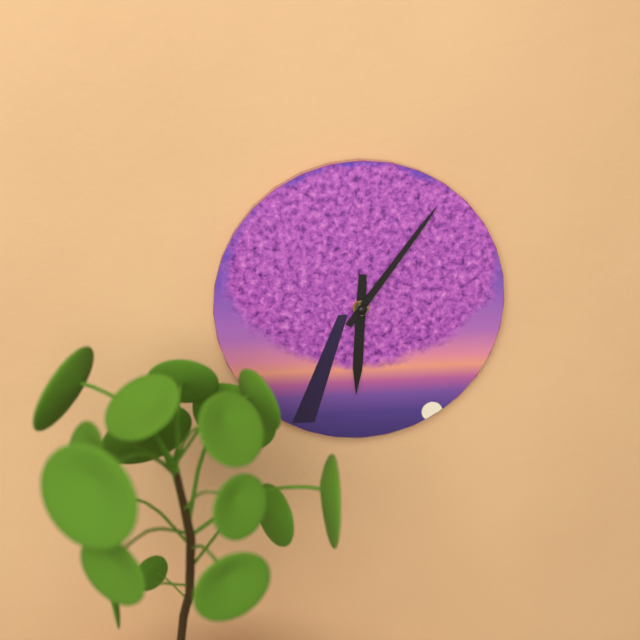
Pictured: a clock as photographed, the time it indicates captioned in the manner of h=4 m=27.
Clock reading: h=6 m=6
